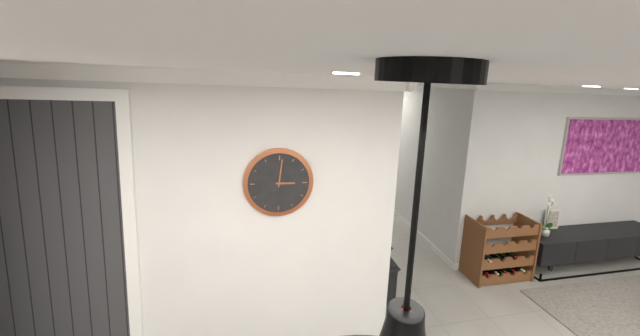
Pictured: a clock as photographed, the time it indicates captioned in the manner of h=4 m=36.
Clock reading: h=3 m=1
